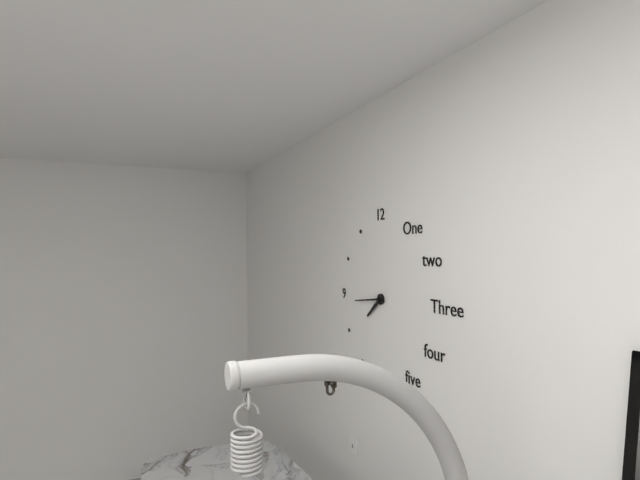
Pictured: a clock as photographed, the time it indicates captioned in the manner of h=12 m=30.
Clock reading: h=7 m=44
